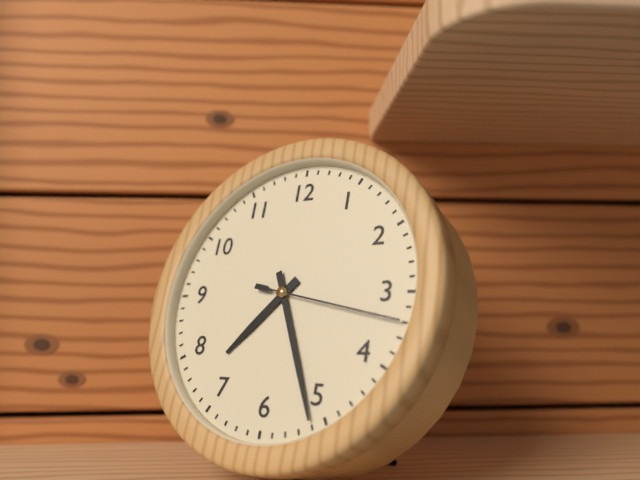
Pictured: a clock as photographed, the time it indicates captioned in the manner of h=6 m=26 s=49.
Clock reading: h=7 m=26 s=17
